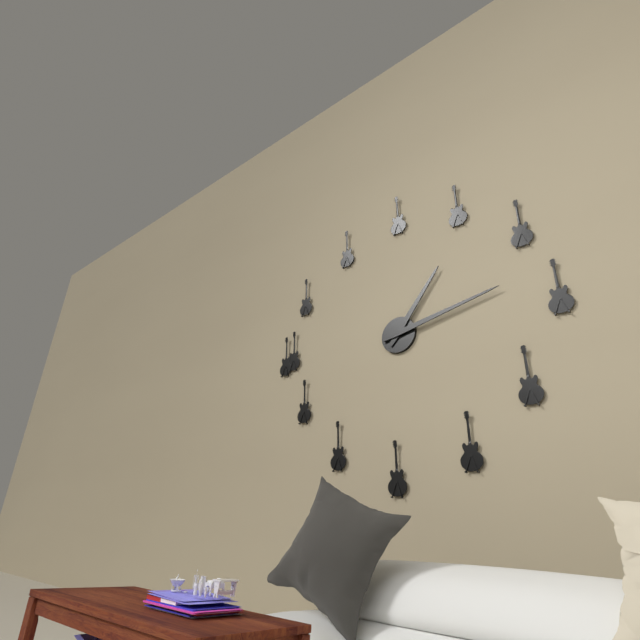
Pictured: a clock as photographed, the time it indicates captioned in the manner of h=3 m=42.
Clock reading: h=1 m=13
